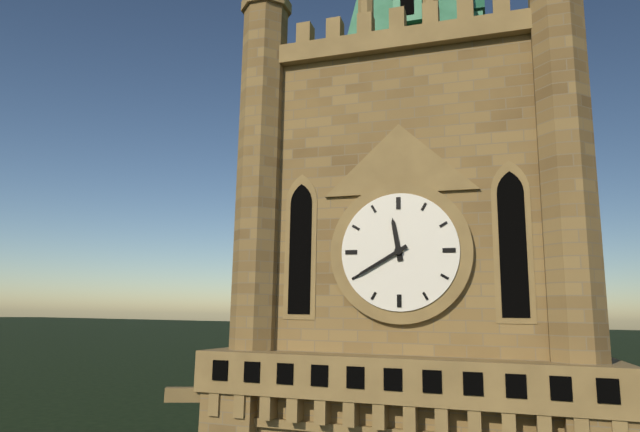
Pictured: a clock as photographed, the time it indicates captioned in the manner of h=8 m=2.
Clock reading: h=11 m=40
